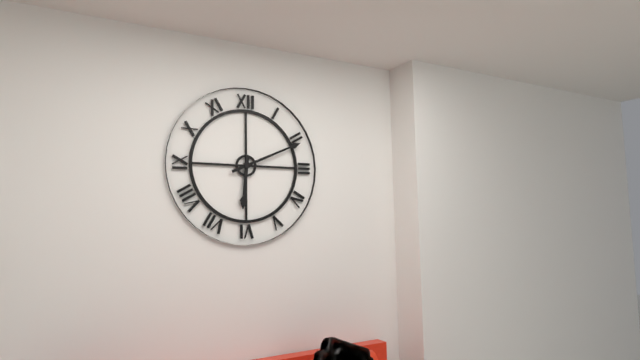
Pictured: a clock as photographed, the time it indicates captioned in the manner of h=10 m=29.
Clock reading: h=6 m=11
